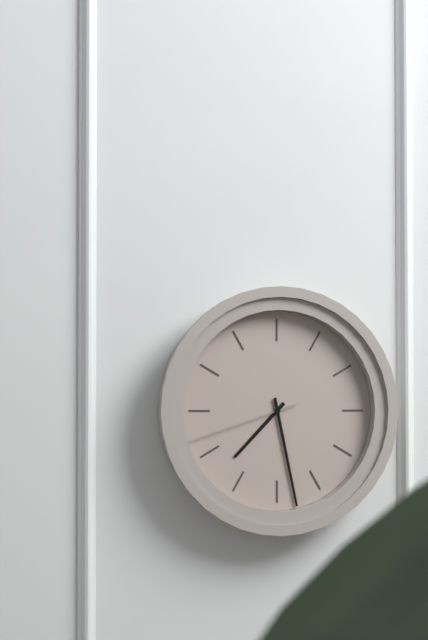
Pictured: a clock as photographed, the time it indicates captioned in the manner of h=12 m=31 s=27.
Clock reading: h=7 m=28 s=42
